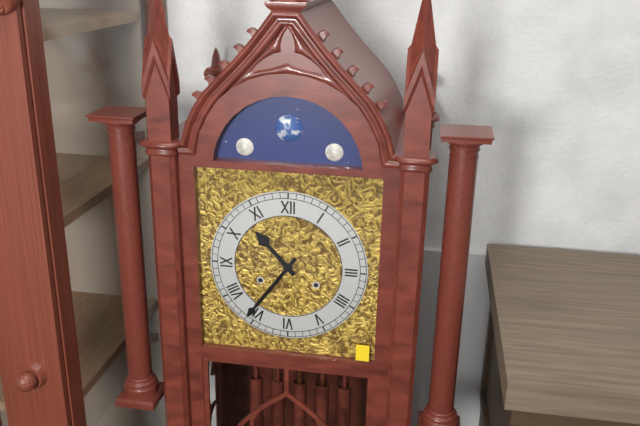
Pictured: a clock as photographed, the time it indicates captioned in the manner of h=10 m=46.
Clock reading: h=10 m=36
